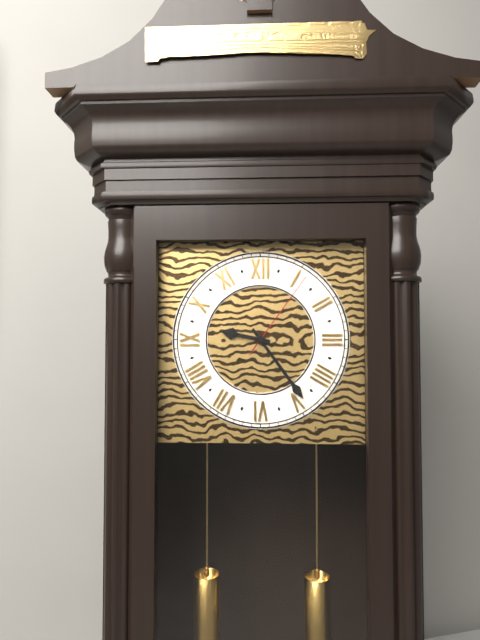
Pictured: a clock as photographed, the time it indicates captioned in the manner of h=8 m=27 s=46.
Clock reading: h=9 m=24 s=6
